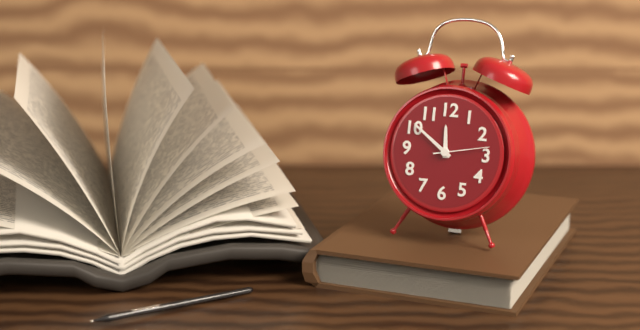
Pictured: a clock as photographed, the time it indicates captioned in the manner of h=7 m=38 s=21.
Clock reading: h=11 m=51 s=13
